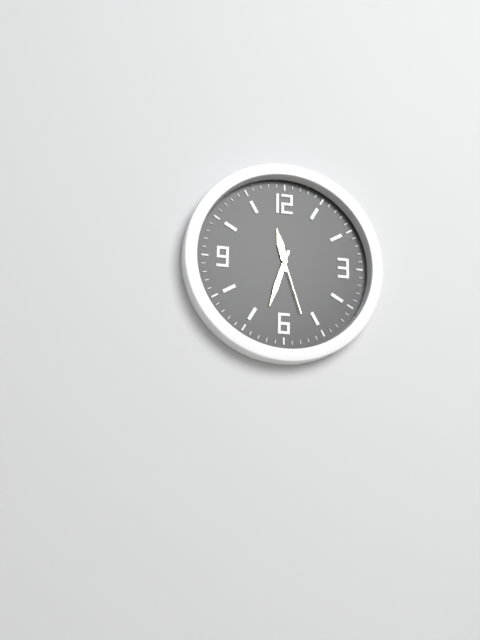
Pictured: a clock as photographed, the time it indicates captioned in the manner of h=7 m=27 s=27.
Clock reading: h=11 m=33 s=27
